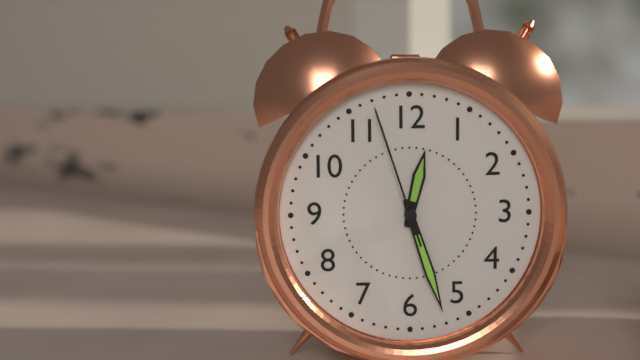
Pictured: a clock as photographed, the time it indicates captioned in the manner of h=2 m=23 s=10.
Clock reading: h=12 m=27 s=57
